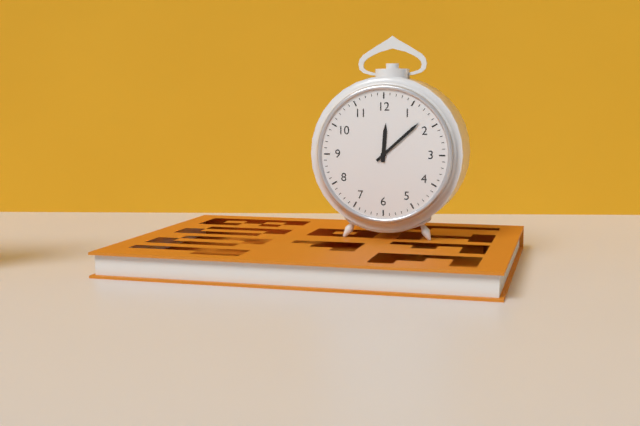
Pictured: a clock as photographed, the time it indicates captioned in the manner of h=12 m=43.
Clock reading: h=12 m=8
